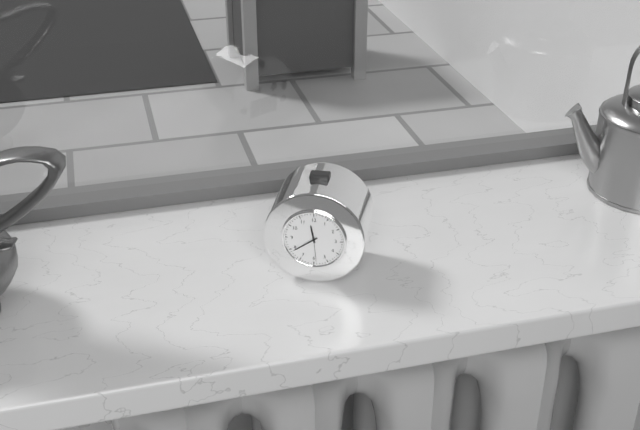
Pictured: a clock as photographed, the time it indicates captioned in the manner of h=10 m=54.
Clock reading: h=11 m=39
